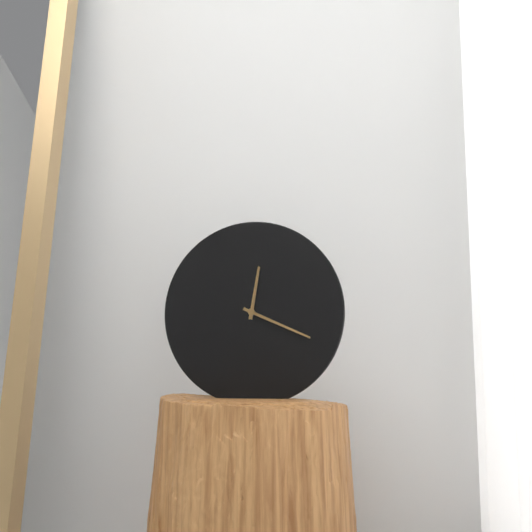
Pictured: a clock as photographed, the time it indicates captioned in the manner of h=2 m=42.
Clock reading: h=12 m=19
